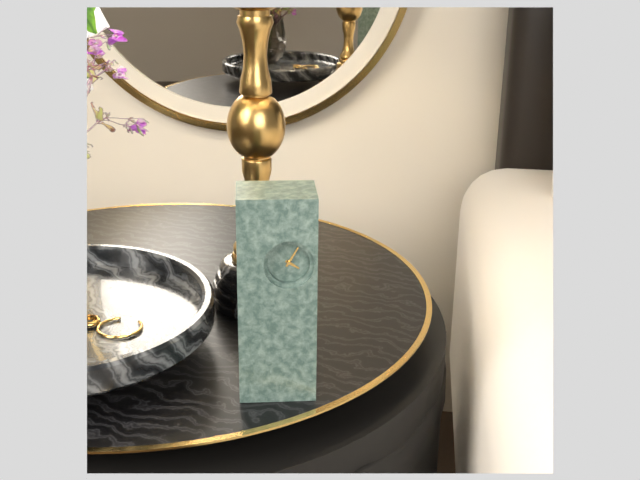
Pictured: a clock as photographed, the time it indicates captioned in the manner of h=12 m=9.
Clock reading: h=4 m=5
